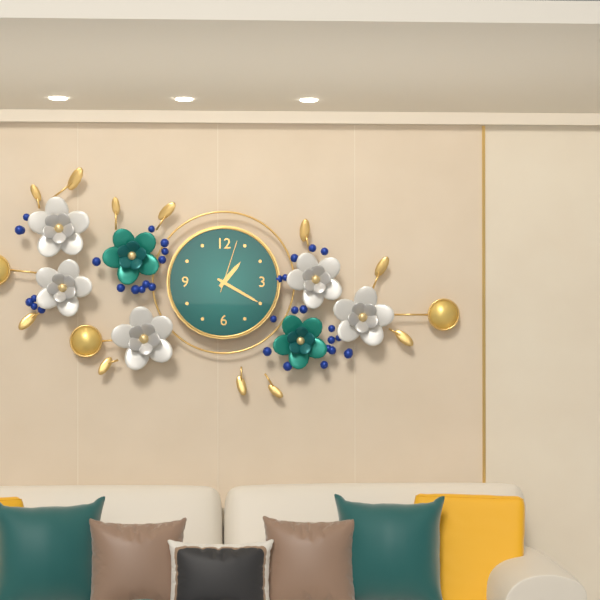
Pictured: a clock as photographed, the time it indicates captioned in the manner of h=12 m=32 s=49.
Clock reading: h=1 m=20 s=3
